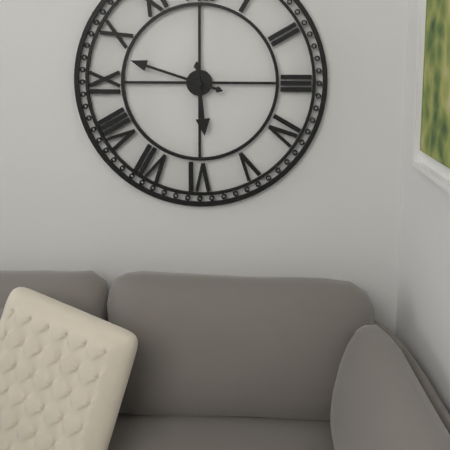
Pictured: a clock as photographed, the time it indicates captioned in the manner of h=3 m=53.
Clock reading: h=5 m=48
